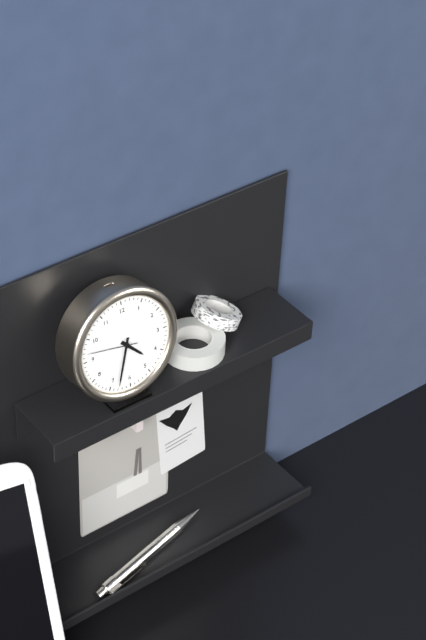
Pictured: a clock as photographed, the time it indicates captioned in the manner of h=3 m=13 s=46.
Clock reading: h=4 m=33 s=47
